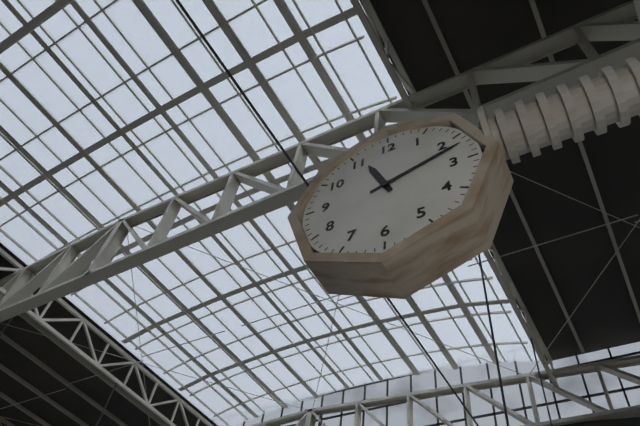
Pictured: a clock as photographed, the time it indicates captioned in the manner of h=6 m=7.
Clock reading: h=11 m=12
